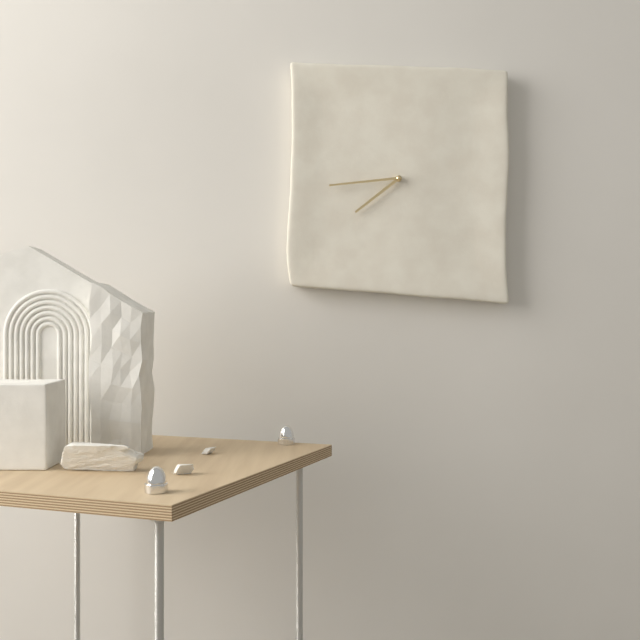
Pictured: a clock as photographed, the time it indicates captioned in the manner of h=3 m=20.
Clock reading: h=7 m=44
